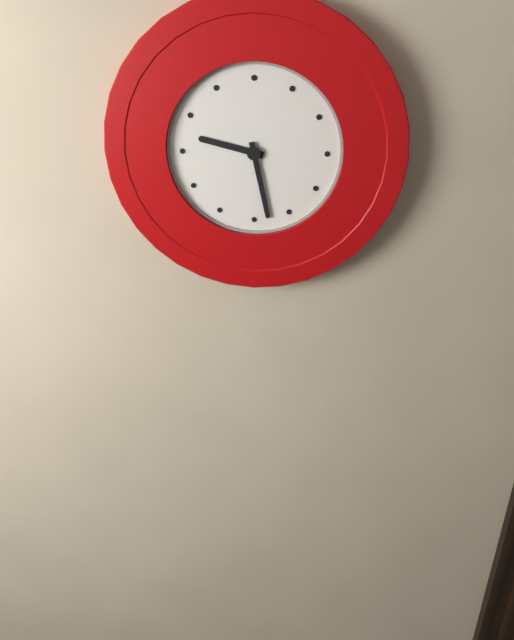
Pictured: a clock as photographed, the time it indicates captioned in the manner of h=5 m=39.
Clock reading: h=9 m=28
